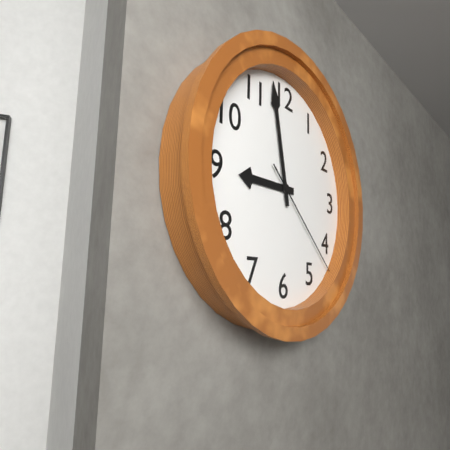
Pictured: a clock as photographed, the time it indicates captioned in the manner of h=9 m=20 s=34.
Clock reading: h=8 m=58 s=22
